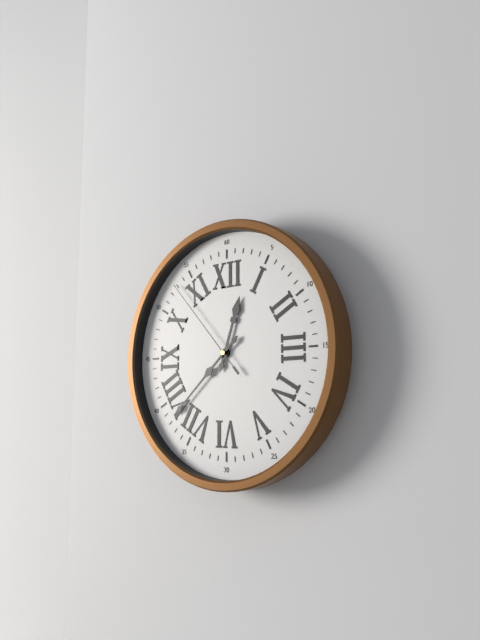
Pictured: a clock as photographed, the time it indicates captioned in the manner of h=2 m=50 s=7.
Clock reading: h=12 m=38 s=53
